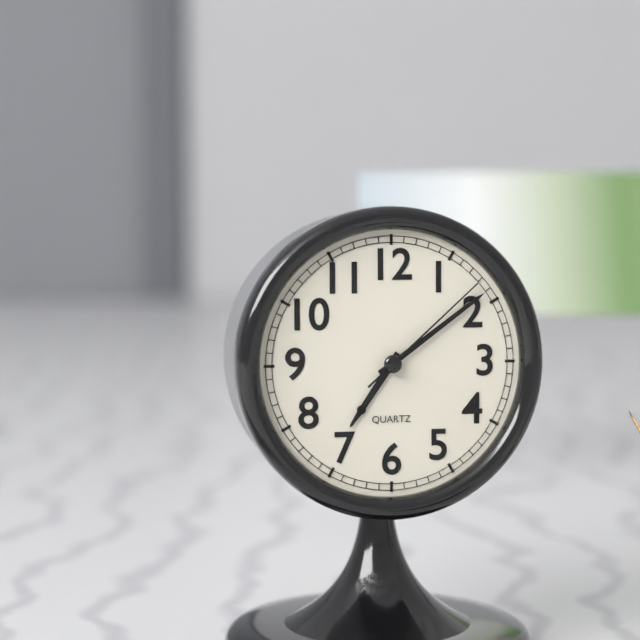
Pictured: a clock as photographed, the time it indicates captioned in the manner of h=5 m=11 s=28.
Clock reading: h=7 m=9 s=8
